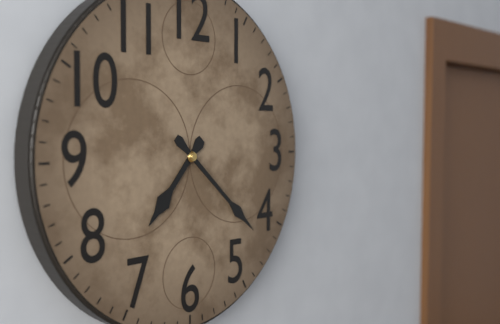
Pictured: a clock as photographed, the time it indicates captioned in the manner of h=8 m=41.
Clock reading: h=7 m=22
